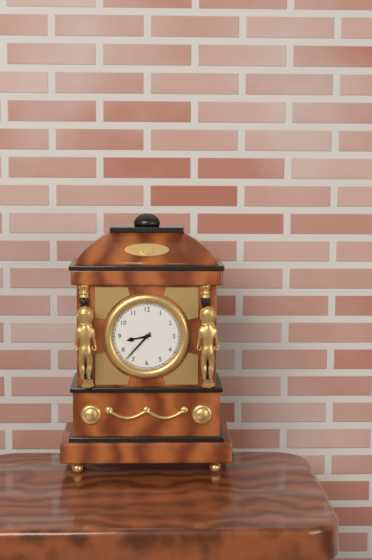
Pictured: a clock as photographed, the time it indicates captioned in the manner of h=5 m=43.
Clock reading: h=8 m=37
